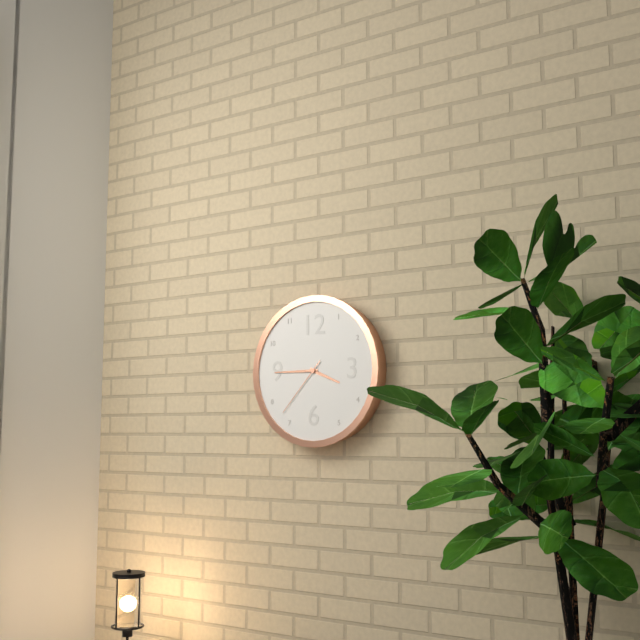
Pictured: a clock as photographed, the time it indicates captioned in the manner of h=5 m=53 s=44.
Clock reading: h=3 m=45 s=37
